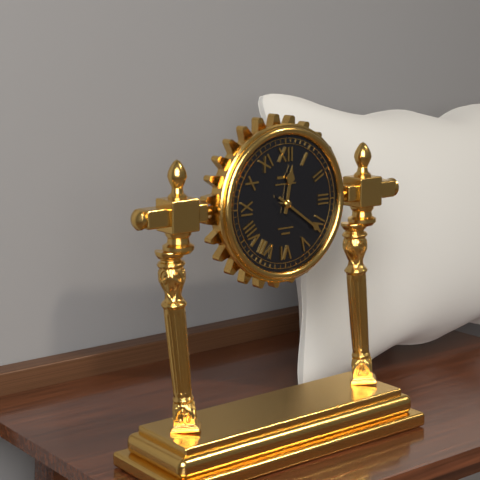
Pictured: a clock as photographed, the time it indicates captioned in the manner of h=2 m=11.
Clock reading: h=12 m=21
